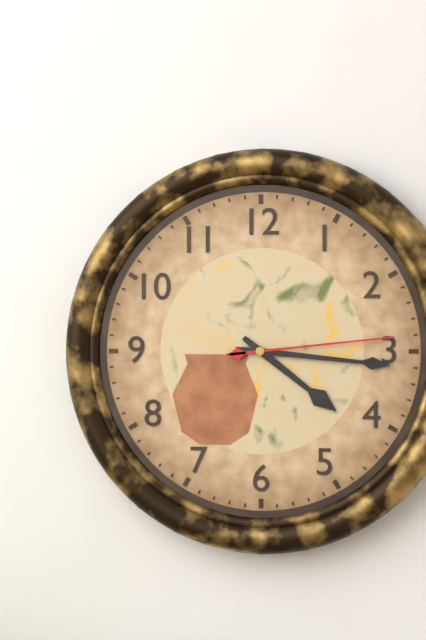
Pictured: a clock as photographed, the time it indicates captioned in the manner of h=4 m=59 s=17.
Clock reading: h=4 m=16 s=14
